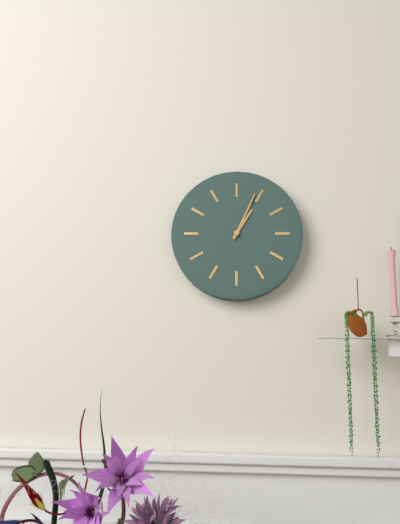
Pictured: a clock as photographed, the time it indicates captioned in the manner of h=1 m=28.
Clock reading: h=1 m=4
